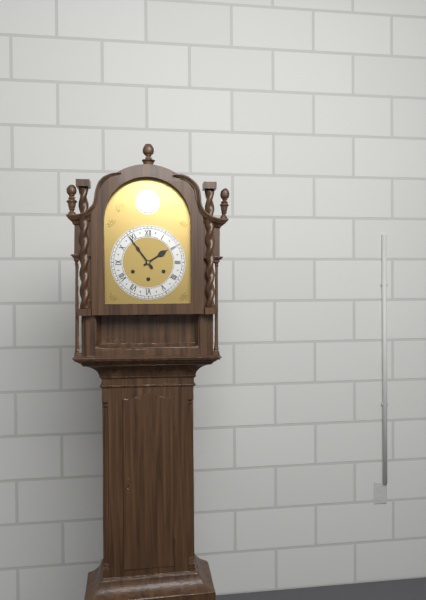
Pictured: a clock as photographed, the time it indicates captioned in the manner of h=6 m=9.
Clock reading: h=1 m=54
